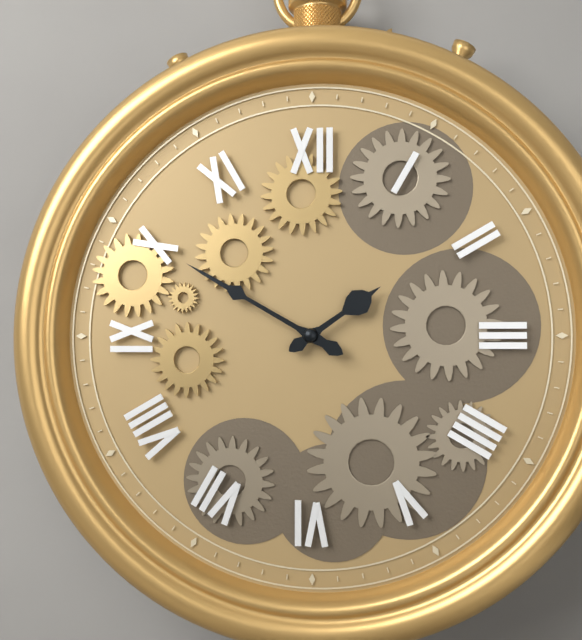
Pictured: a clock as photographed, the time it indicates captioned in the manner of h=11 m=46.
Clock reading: h=1 m=50
